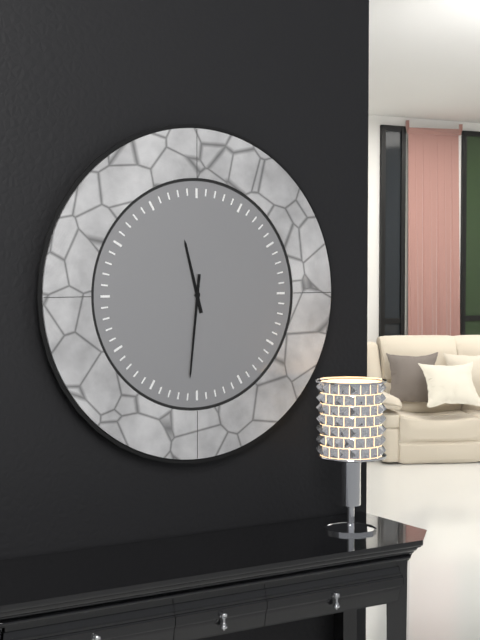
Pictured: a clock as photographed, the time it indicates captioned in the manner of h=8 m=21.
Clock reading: h=11 m=31
